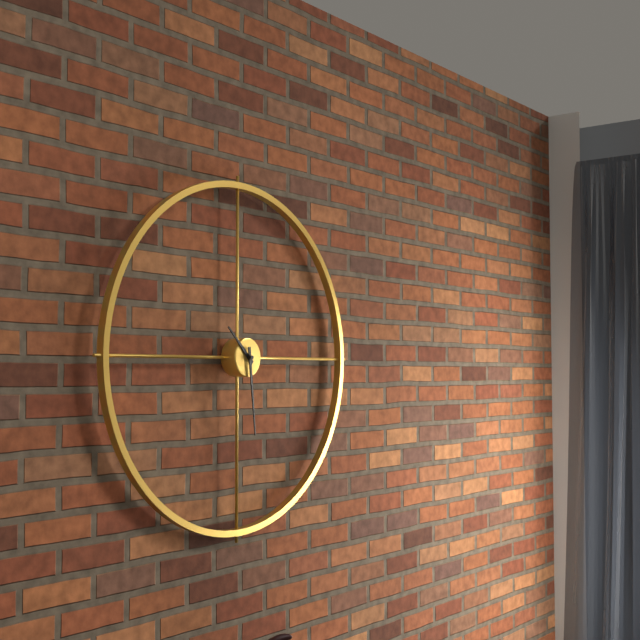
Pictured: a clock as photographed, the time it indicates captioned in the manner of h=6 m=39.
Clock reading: h=10 m=29
